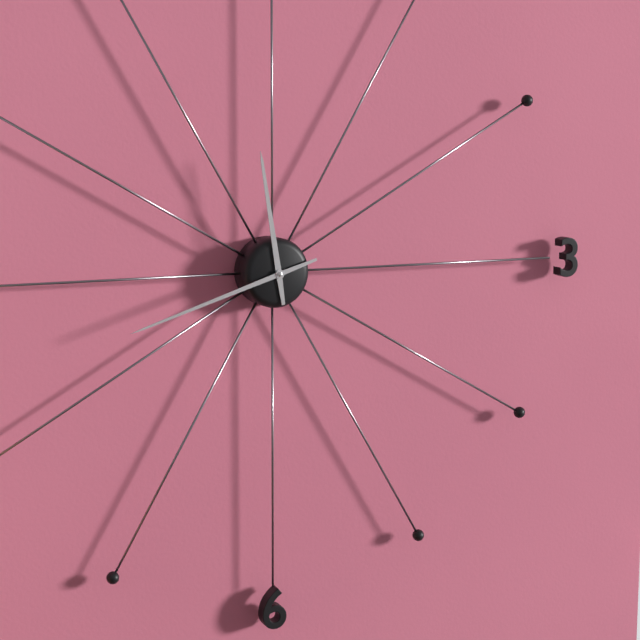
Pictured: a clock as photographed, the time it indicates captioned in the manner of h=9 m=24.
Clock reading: h=11 m=42
